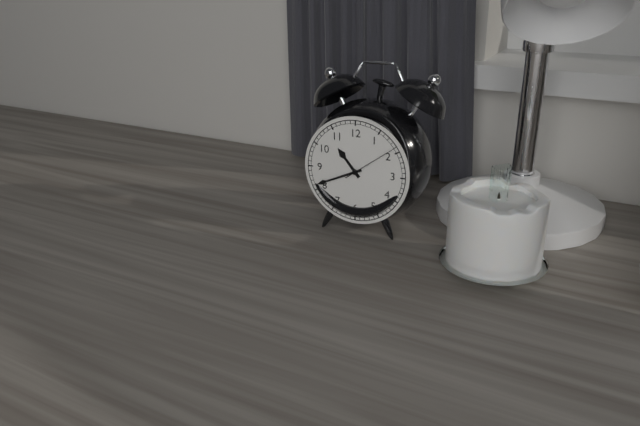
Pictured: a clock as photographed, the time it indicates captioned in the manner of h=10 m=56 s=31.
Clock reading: h=10 m=41 s=9
